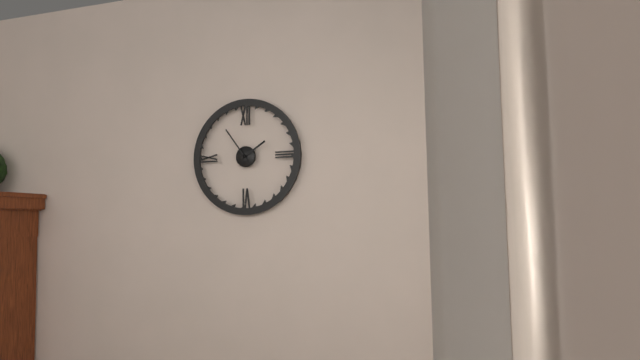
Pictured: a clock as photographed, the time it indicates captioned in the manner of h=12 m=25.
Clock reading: h=1 m=54
